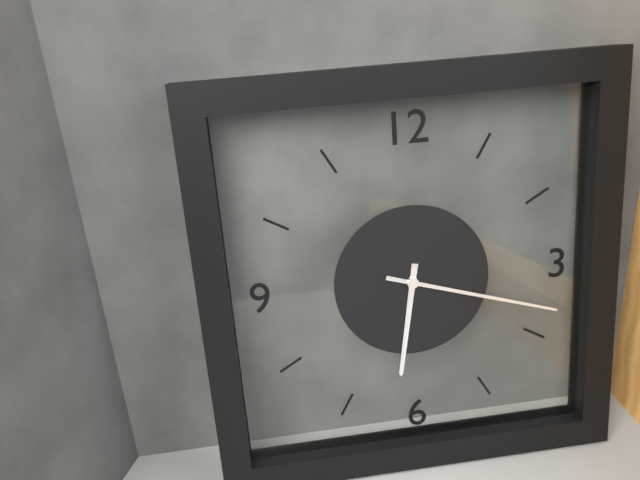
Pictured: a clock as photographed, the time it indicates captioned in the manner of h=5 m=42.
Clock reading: h=6 m=18
